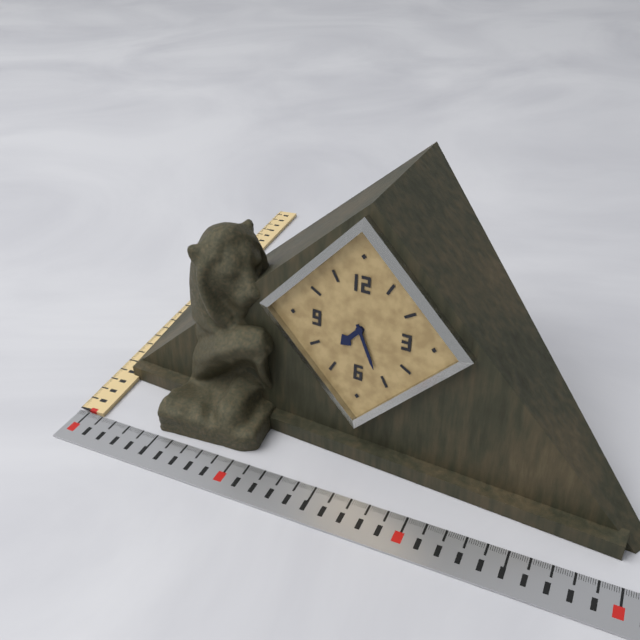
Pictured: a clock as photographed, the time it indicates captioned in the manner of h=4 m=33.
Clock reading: h=7 m=26
